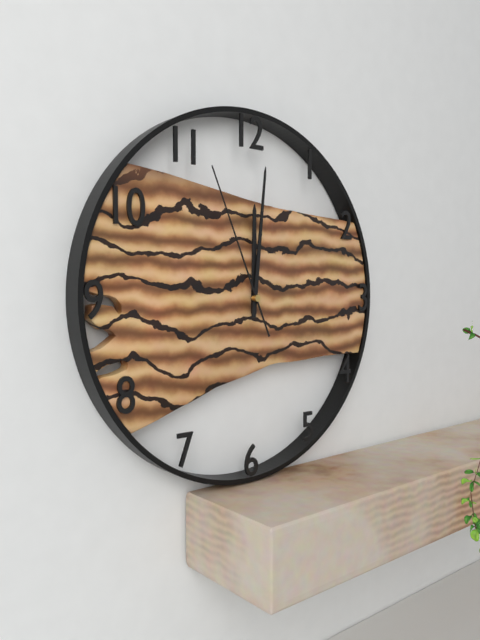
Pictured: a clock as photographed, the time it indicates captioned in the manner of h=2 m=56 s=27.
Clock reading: h=12 m=1 s=56
